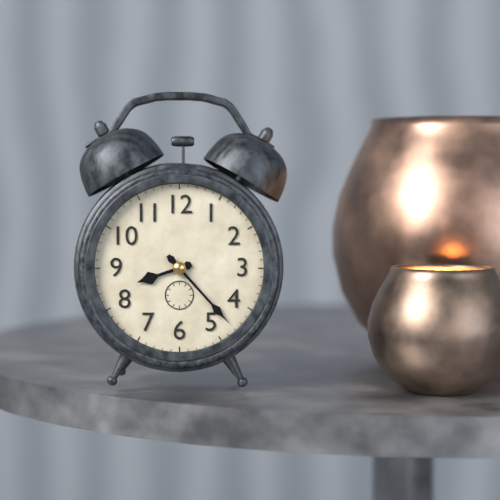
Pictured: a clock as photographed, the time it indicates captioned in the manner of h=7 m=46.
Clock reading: h=8 m=23
